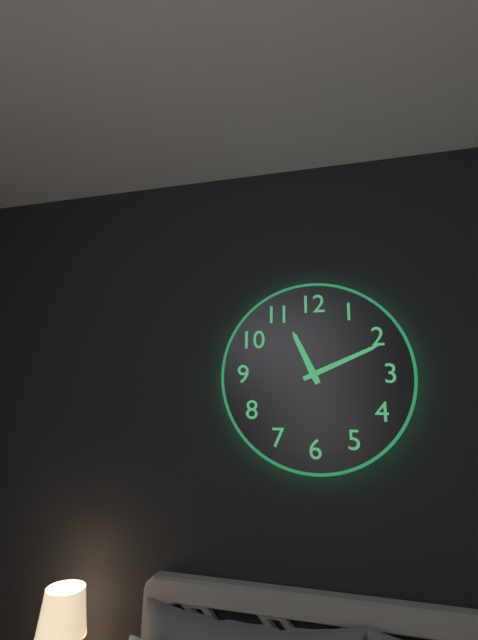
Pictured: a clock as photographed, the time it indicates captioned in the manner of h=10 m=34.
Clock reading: h=11 m=11
